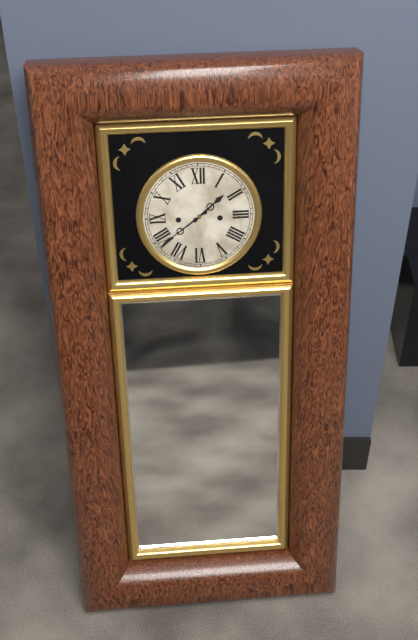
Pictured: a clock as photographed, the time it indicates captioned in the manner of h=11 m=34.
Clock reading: h=1 m=39
